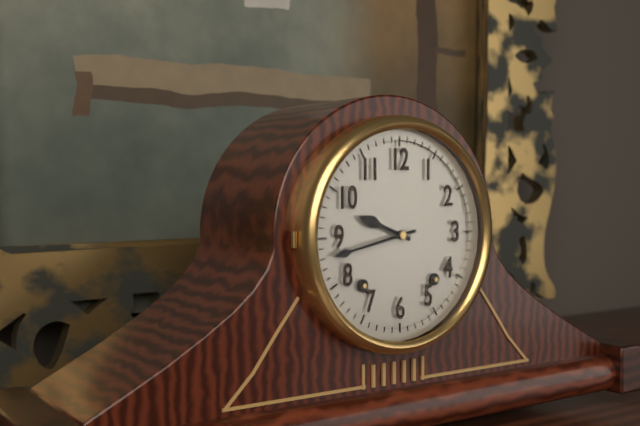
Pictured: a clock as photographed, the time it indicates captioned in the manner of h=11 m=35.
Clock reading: h=9 m=43
